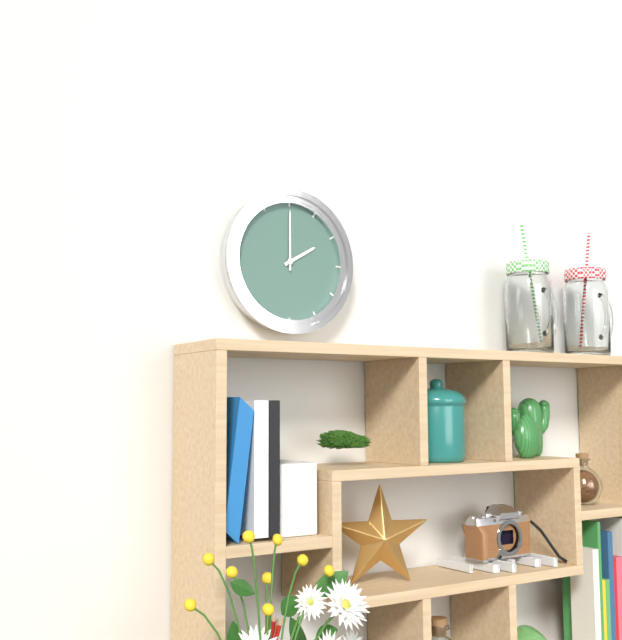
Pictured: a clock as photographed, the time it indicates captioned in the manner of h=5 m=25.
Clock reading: h=2 m=0
